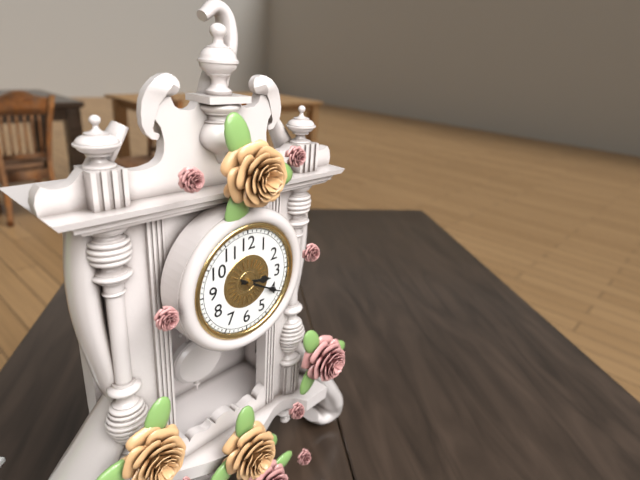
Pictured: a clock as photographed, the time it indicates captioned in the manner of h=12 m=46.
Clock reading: h=3 m=20
